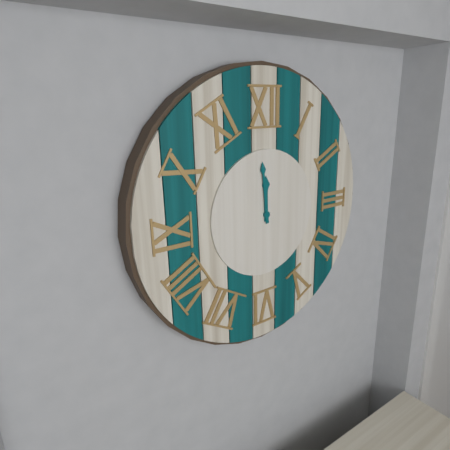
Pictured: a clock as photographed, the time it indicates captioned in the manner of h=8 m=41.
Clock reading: h=11 m=59
